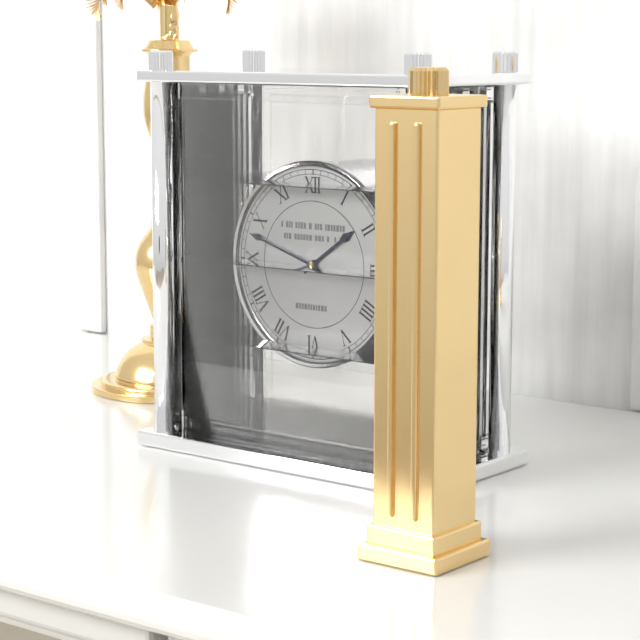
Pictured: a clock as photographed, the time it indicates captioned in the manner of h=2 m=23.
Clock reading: h=1 m=48
